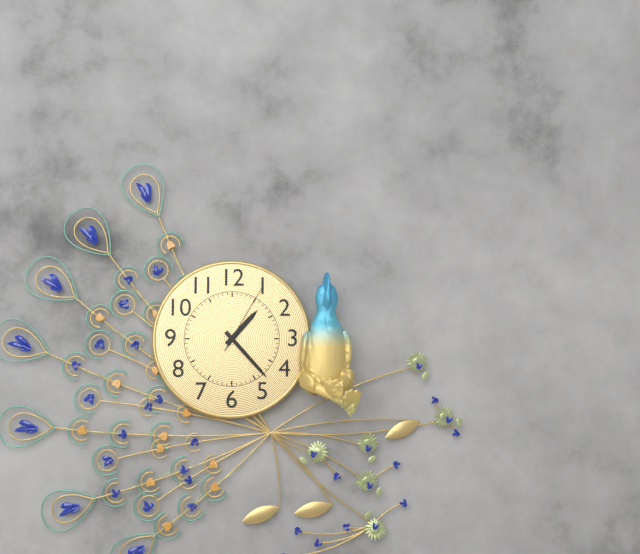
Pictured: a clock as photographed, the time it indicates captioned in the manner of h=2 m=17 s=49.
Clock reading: h=1 m=23 s=5
